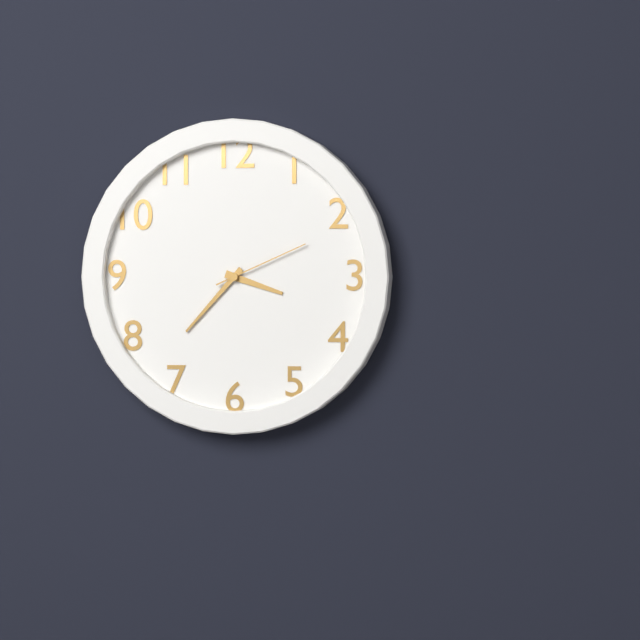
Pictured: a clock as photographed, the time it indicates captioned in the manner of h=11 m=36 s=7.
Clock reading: h=3 m=37 s=11
